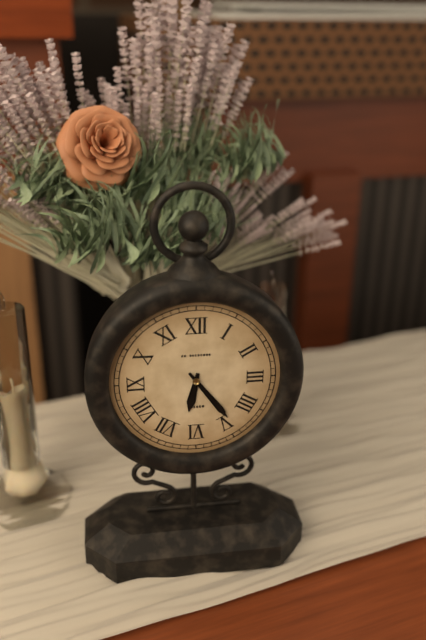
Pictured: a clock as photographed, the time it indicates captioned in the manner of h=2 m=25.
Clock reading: h=6 m=24
